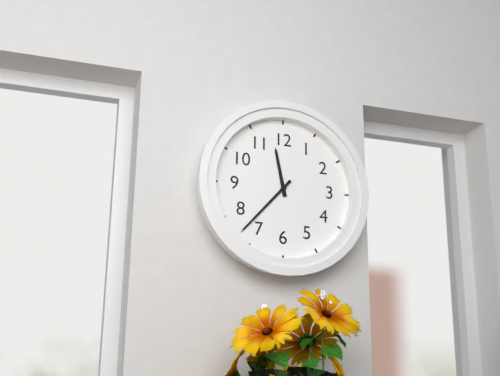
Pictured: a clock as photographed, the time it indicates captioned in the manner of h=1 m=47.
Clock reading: h=11 m=37
